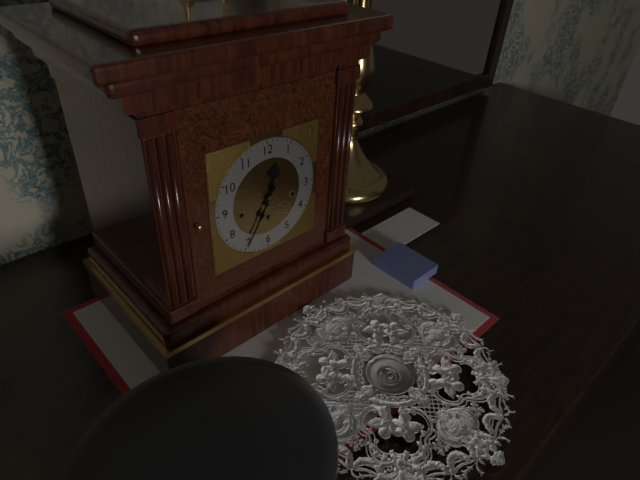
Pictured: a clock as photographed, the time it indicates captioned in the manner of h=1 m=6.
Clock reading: h=12 m=35
